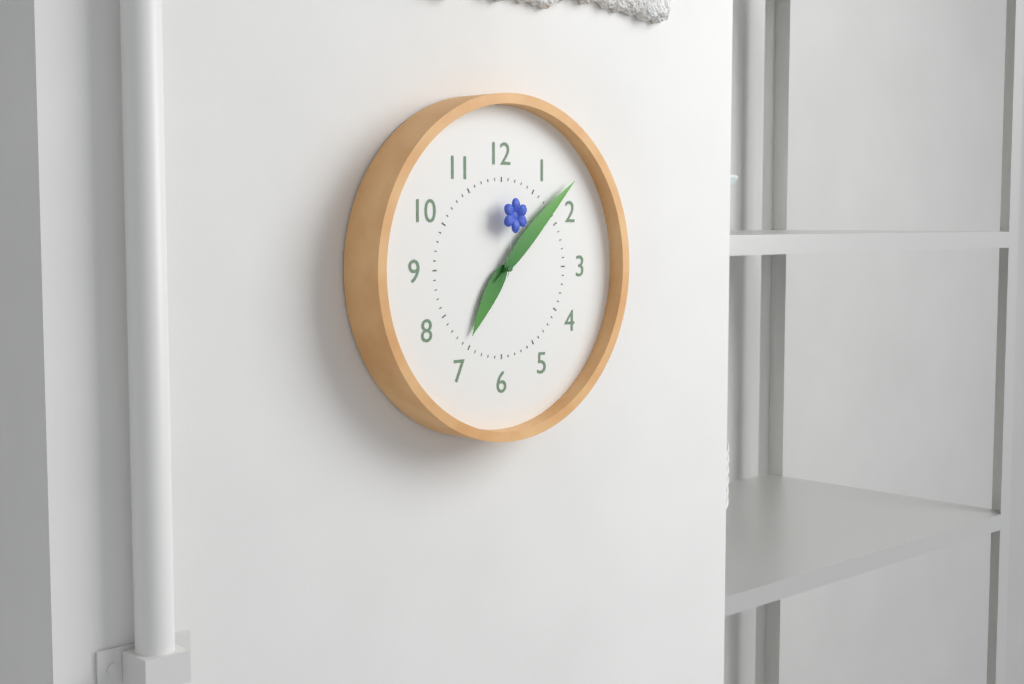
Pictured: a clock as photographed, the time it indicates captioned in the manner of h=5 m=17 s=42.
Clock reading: h=7 m=8 s=1
